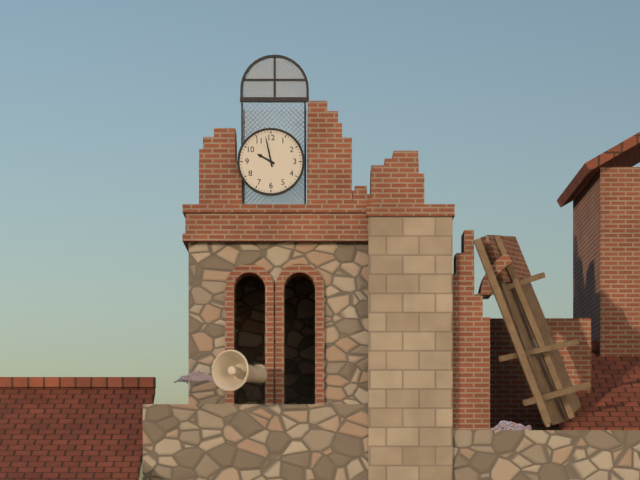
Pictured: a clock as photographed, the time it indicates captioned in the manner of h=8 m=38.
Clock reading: h=9 m=58
